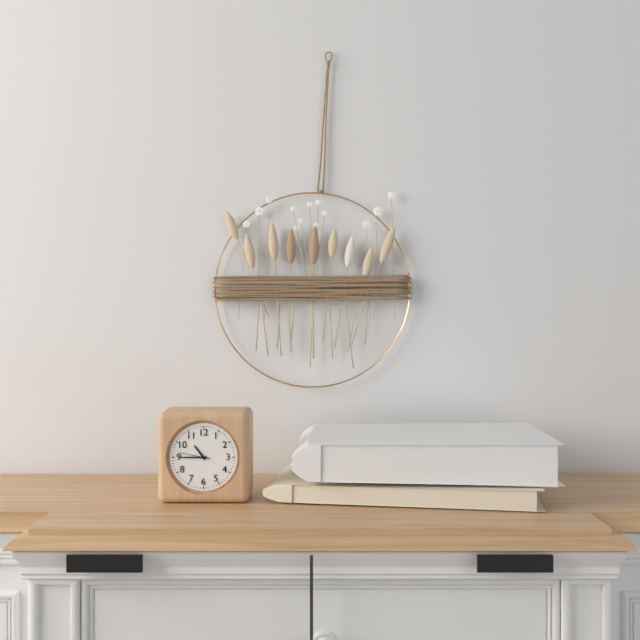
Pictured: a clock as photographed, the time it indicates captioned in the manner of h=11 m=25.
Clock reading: h=10 m=45
